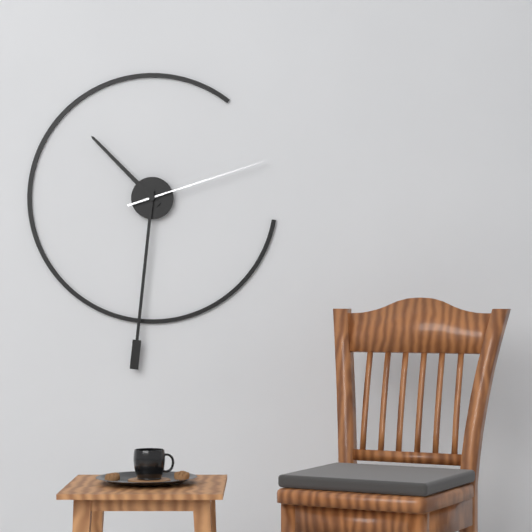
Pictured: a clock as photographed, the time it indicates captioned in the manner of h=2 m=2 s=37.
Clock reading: h=10 m=31 s=12
